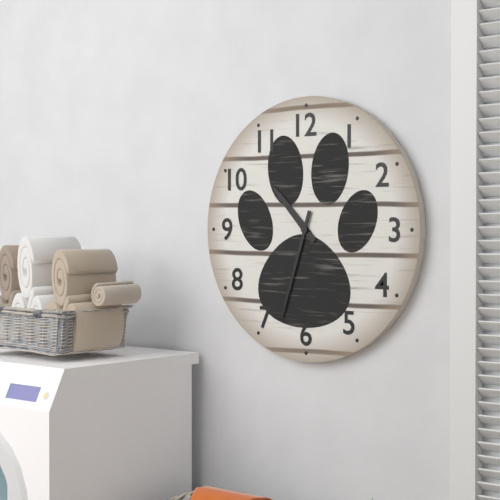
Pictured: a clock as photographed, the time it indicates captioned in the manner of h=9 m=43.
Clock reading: h=10 m=33
